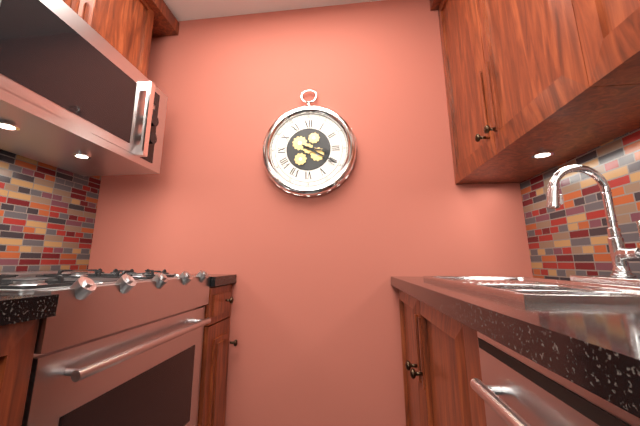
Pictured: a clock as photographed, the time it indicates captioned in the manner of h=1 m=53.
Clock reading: h=3 m=20
